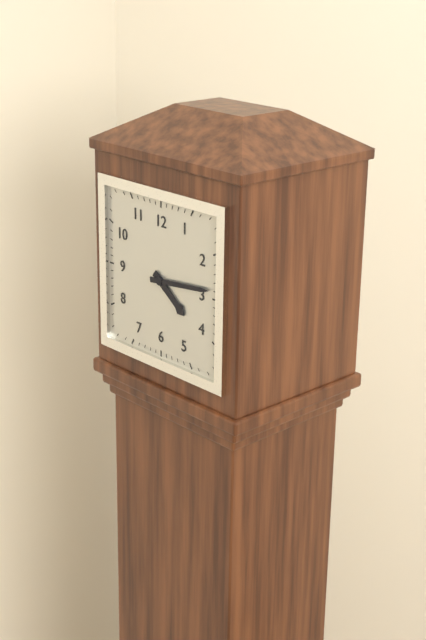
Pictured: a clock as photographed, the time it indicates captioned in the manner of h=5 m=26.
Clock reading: h=4 m=14
